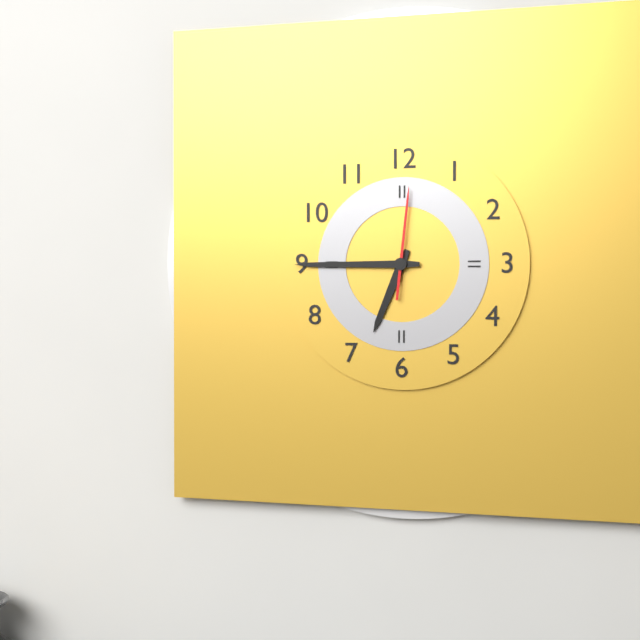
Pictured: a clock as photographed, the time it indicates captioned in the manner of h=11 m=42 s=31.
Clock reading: h=6 m=45 s=1
